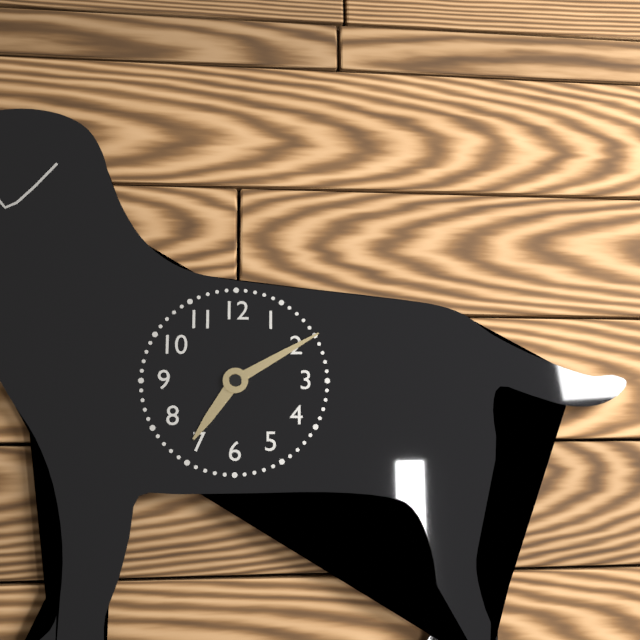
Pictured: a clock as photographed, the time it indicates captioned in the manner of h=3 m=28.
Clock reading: h=7 m=10
